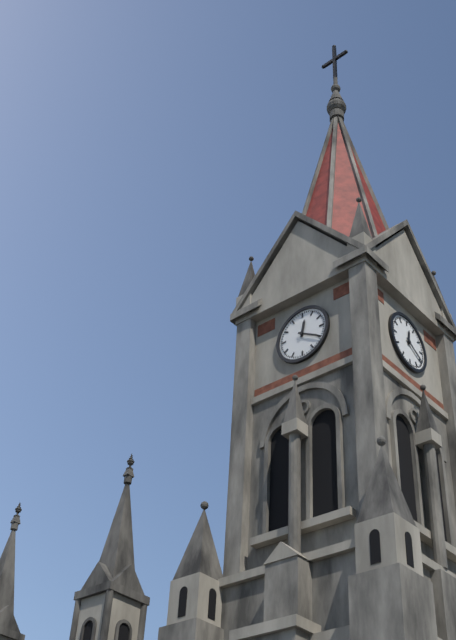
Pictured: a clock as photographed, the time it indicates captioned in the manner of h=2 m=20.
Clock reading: h=12 m=20
